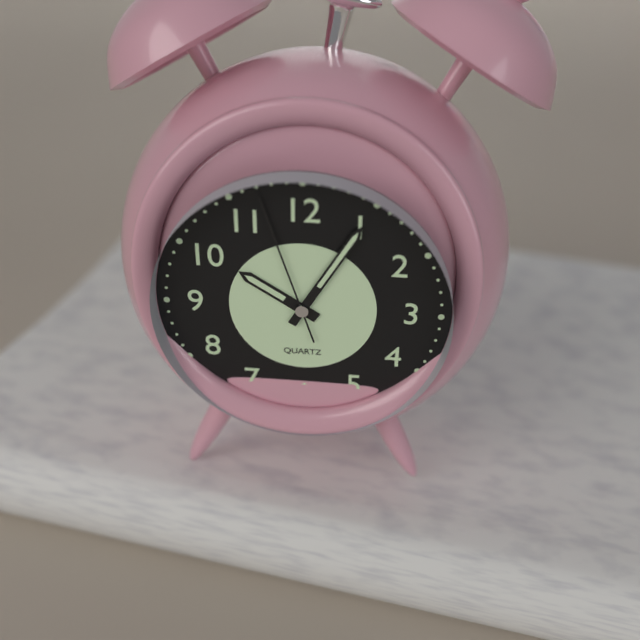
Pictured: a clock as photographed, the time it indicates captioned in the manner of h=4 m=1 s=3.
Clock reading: h=10 m=5 s=57
